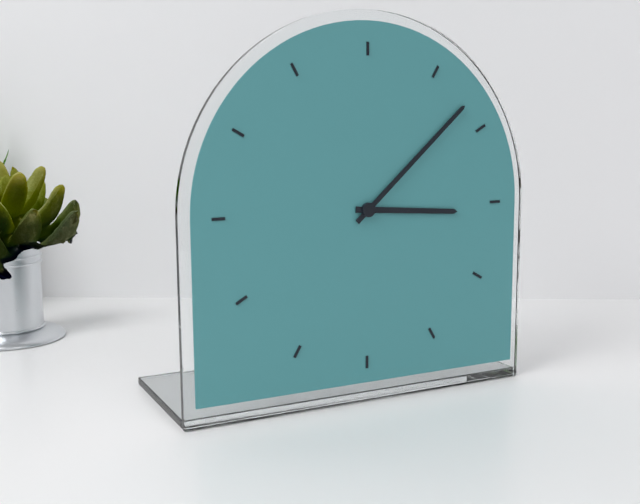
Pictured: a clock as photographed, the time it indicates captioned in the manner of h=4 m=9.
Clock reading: h=3 m=8
